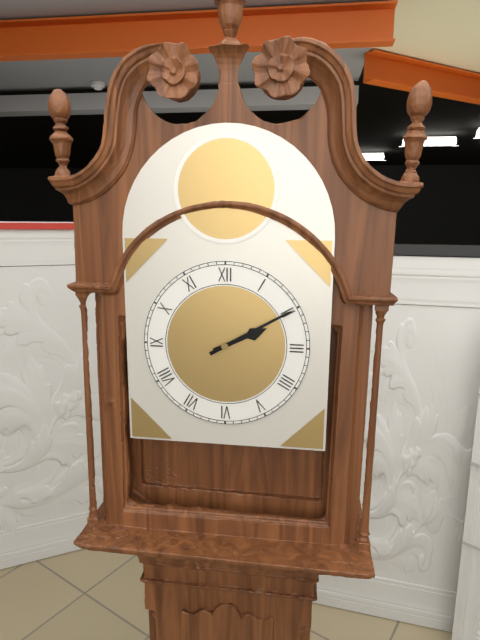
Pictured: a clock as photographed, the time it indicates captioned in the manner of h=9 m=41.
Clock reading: h=2 m=10
